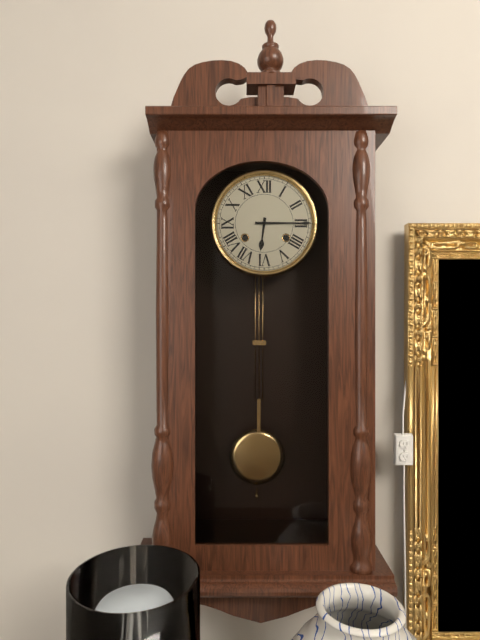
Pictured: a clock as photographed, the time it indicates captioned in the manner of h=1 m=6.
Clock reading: h=6 m=15
